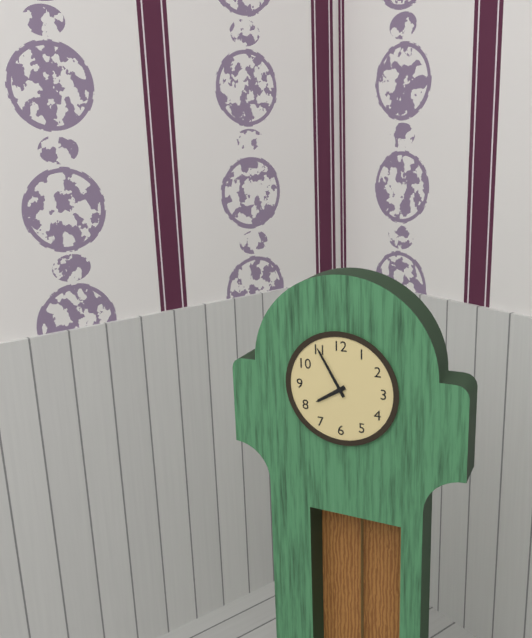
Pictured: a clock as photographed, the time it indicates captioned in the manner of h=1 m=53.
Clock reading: h=7 m=55
